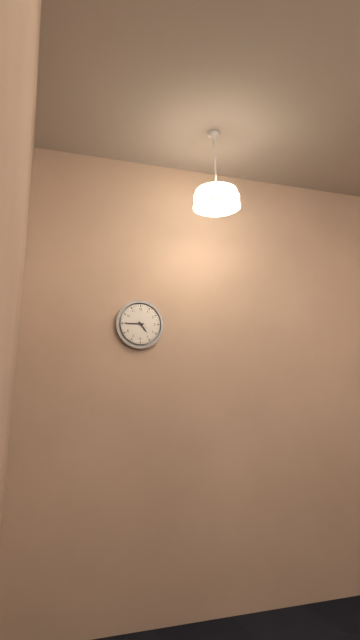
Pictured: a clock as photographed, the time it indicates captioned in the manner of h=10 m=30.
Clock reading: h=4 m=45
